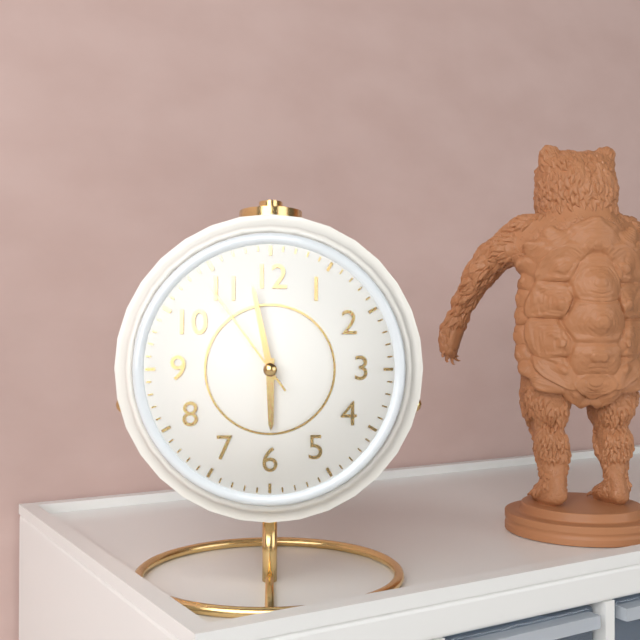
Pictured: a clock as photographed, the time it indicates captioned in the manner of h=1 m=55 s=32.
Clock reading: h=5 m=58 s=54
